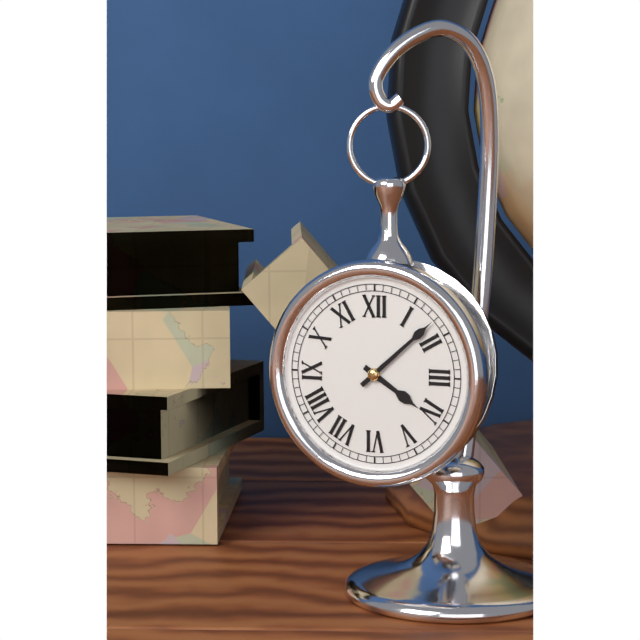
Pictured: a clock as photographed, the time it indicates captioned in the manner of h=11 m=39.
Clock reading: h=4 m=8
